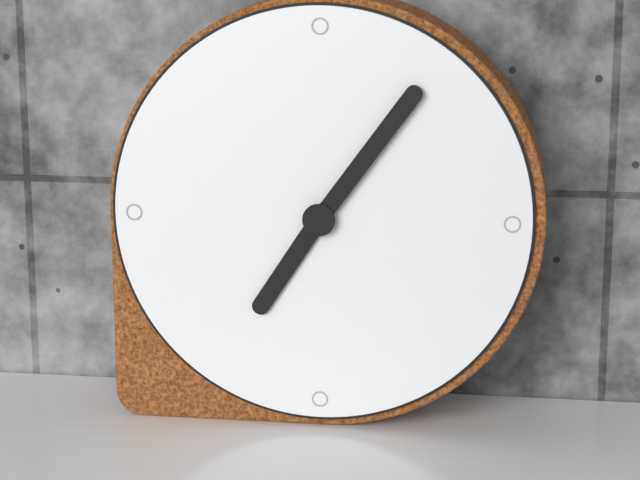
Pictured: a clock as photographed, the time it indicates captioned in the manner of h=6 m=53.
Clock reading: h=7 m=6
